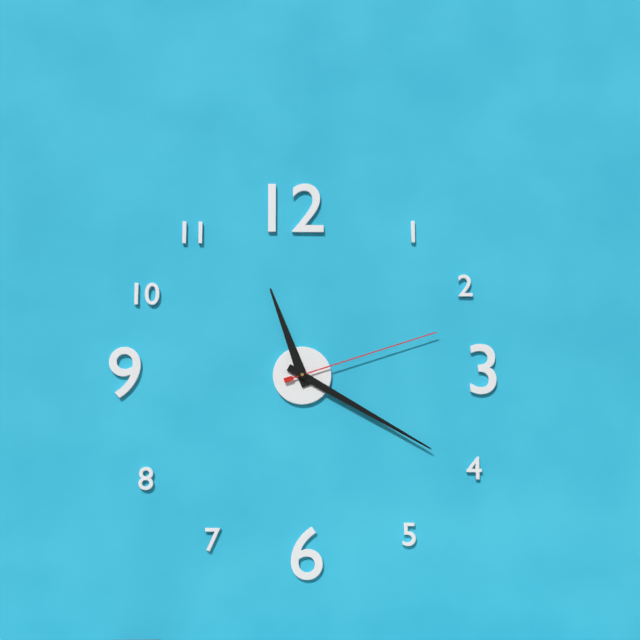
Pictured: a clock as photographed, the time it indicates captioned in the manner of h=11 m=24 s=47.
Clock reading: h=11 m=20 s=12
